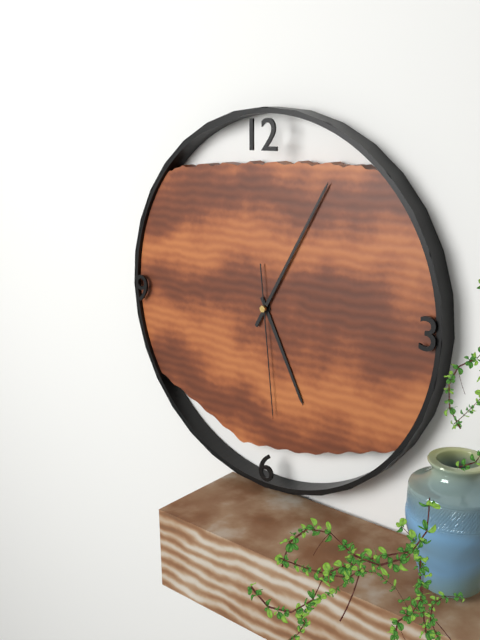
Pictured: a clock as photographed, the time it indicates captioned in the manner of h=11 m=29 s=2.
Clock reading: h=5 m=5 s=29
